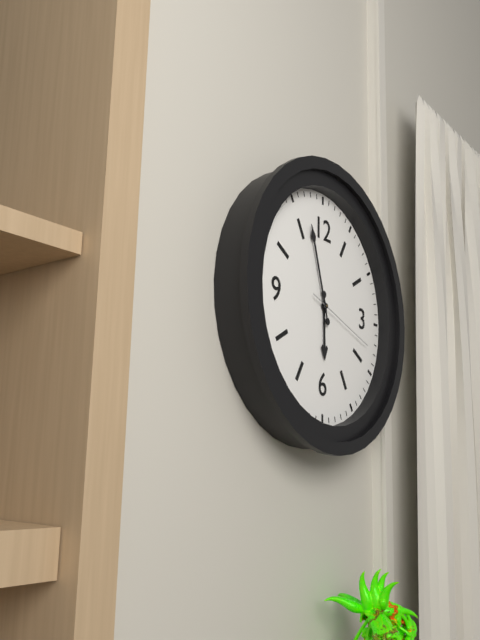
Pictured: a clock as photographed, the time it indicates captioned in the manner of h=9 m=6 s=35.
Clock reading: h=5 m=57 s=18
